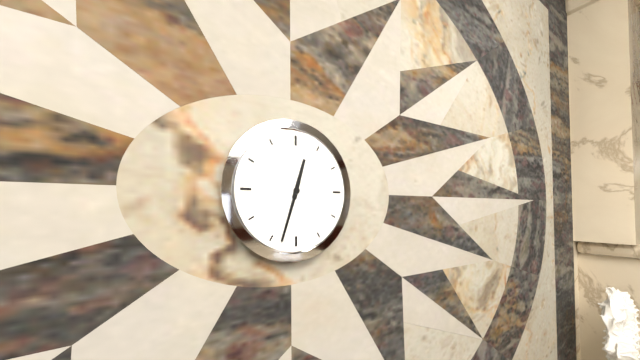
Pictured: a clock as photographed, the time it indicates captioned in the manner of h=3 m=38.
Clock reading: h=12 m=33
